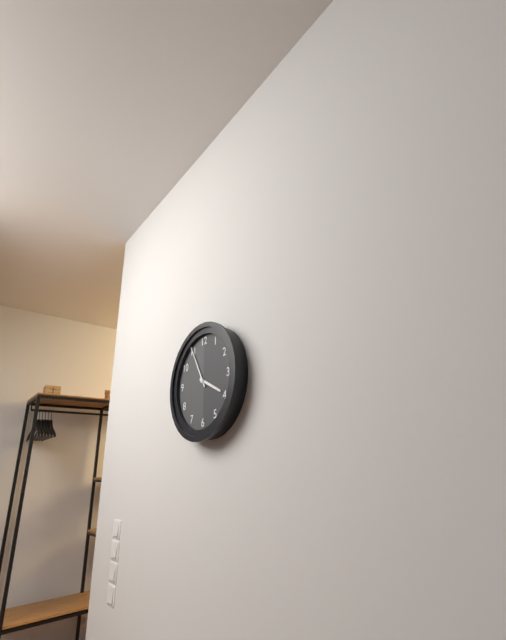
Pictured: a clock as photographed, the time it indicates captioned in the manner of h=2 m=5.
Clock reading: h=3 m=55
